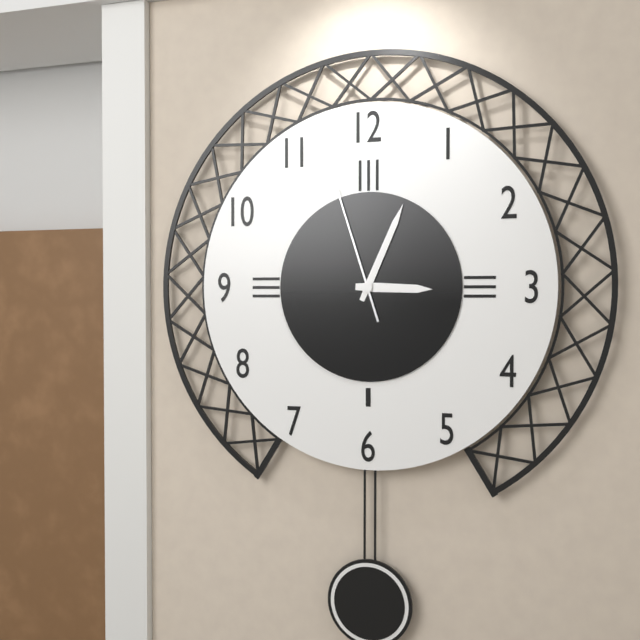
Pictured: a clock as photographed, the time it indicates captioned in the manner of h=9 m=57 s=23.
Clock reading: h=3 m=4 s=57
